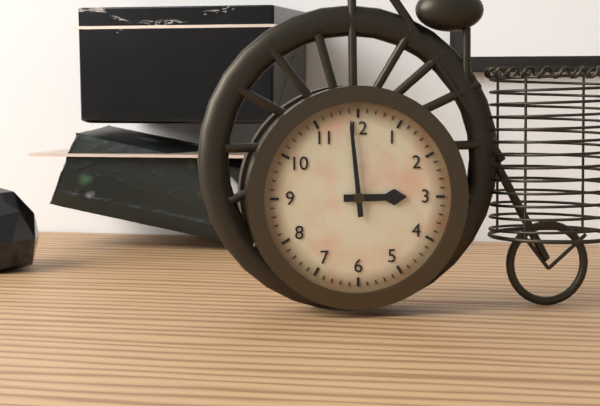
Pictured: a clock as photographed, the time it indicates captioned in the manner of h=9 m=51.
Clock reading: h=2 m=59
